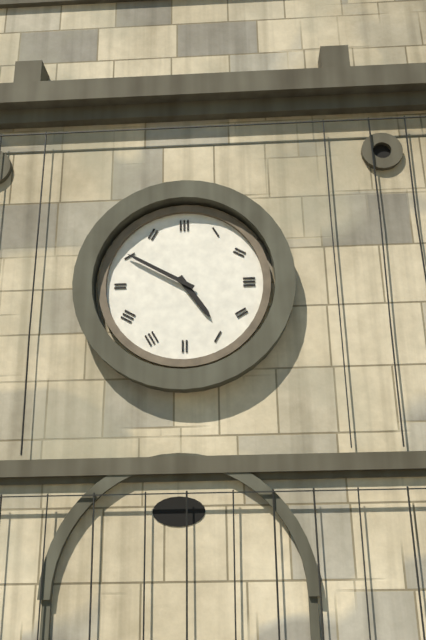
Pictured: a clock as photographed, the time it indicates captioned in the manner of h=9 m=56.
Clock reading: h=4 m=50
